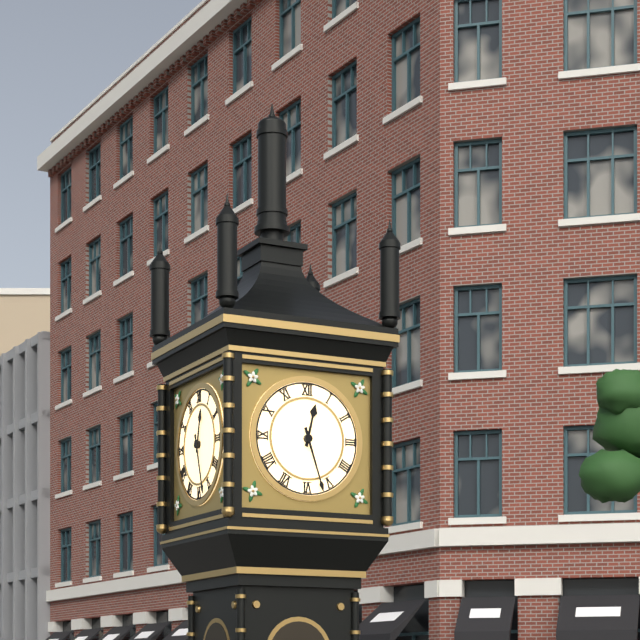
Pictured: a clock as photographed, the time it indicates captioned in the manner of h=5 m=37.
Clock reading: h=12 m=27
